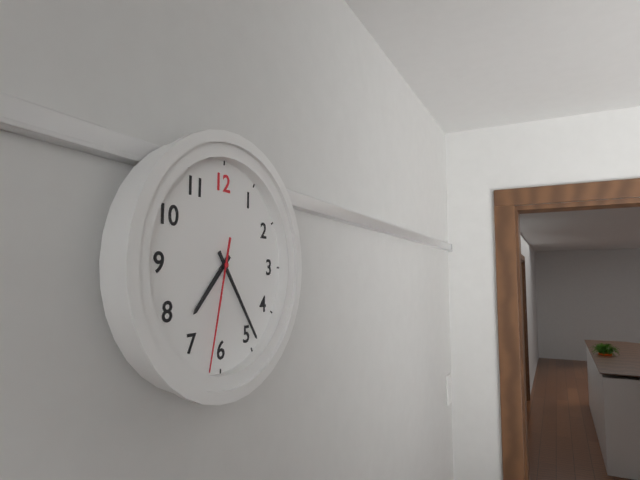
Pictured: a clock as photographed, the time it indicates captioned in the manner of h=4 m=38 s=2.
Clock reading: h=7 m=24 s=32
